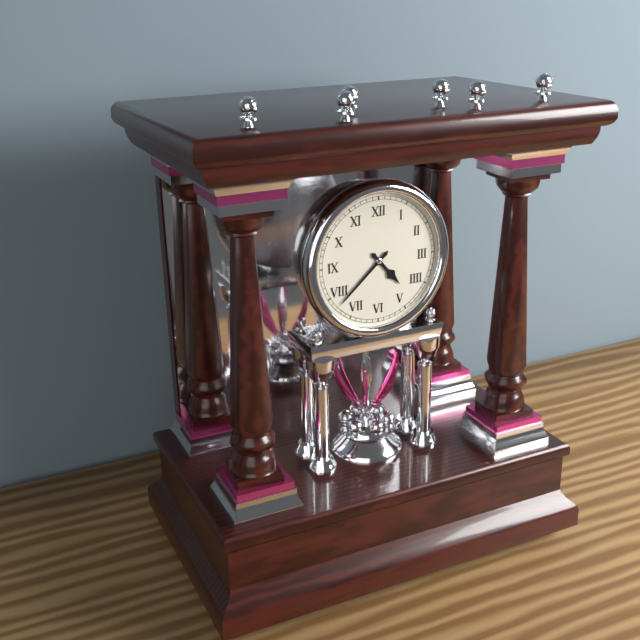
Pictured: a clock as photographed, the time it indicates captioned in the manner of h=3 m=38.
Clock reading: h=4 m=38
